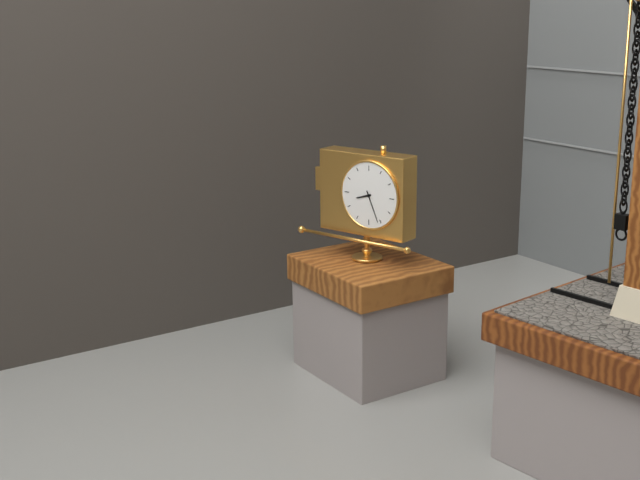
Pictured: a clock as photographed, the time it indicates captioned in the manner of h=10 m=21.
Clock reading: h=8 m=26
